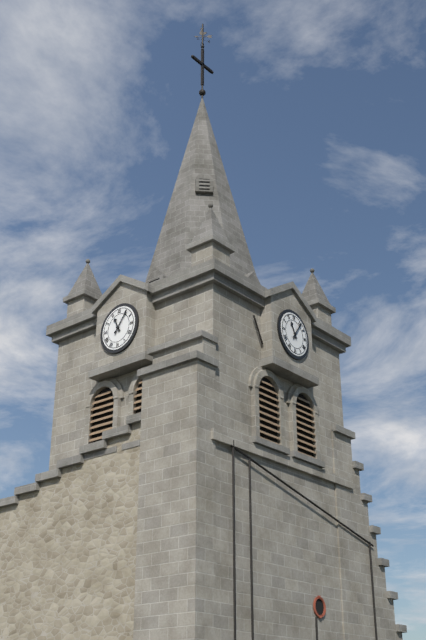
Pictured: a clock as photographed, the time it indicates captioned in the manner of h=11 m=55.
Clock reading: h=11 m=6
